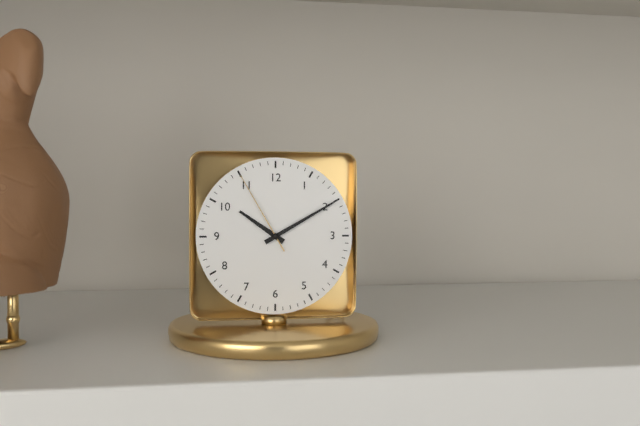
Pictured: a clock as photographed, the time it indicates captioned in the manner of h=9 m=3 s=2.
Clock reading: h=10 m=10 s=55
